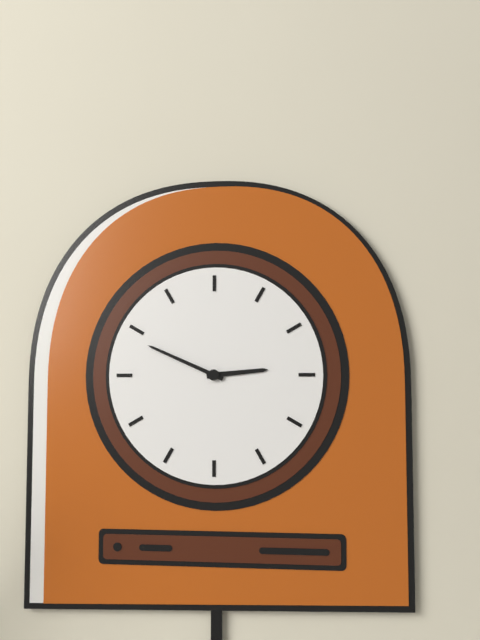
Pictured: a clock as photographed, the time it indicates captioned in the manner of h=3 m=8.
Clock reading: h=2 m=49
